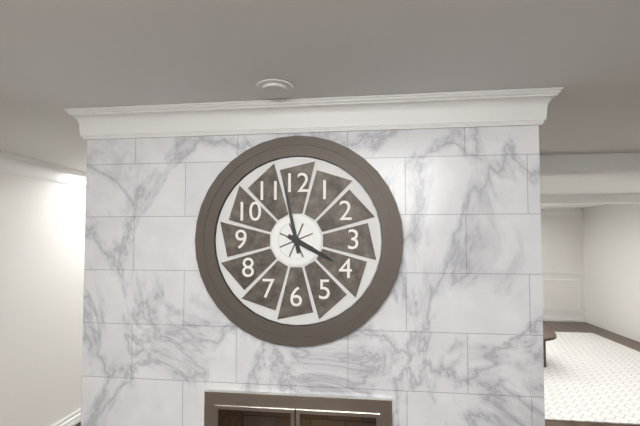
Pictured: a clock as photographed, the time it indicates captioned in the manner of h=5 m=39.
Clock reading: h=3 m=58
